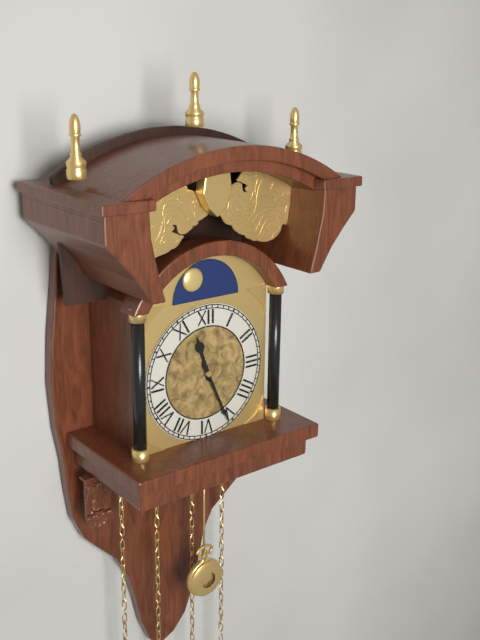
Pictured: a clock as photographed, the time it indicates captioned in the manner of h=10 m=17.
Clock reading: h=11 m=26
